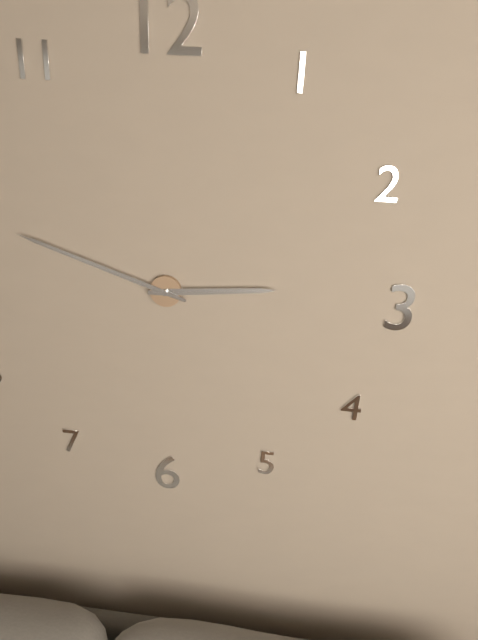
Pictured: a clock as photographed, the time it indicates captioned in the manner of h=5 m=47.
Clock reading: h=2 m=48
